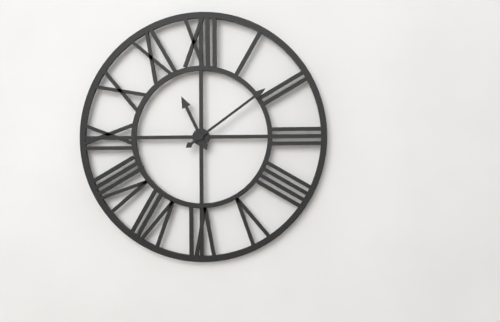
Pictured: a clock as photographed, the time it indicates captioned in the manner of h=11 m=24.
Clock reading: h=11 m=9
